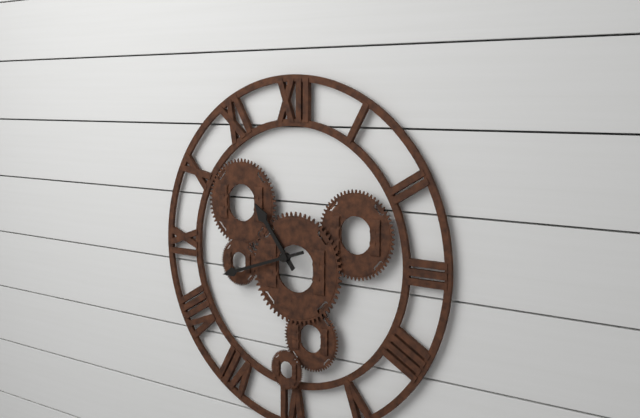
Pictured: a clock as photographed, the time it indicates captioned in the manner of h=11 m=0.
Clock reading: h=10 m=42
